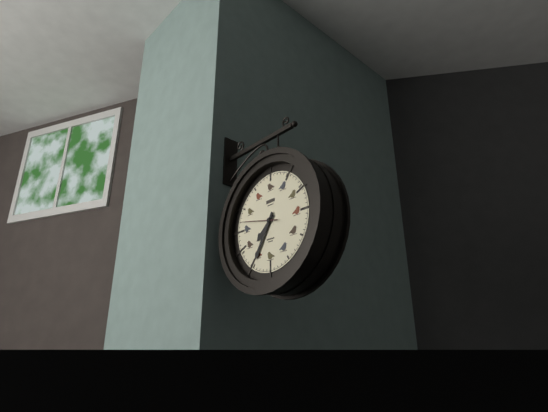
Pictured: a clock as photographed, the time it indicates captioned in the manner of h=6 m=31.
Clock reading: h=7 m=35
